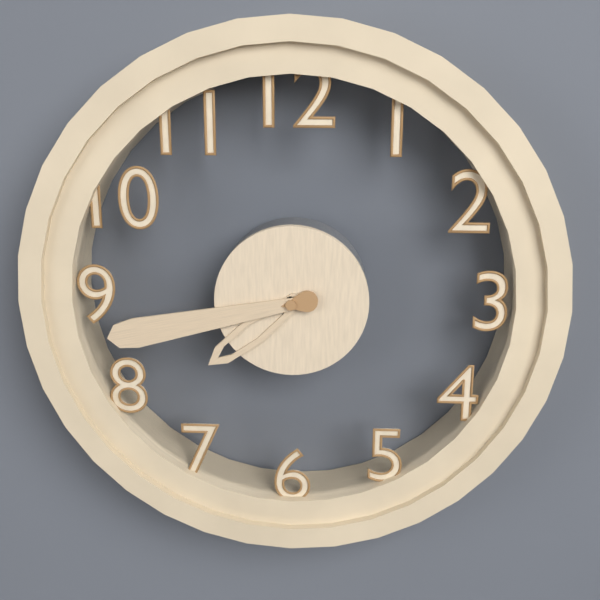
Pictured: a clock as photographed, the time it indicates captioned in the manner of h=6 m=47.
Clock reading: h=7 m=43
